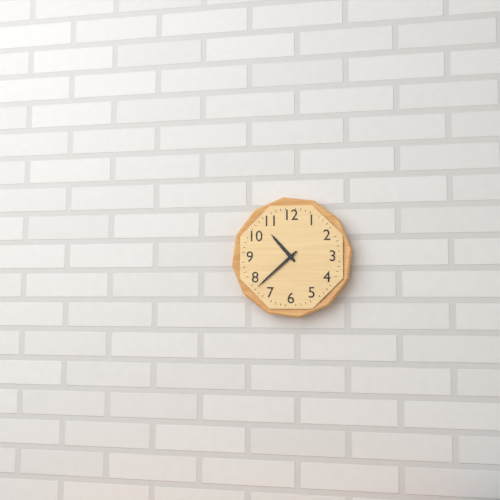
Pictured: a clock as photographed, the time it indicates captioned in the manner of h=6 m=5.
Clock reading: h=10 m=38
